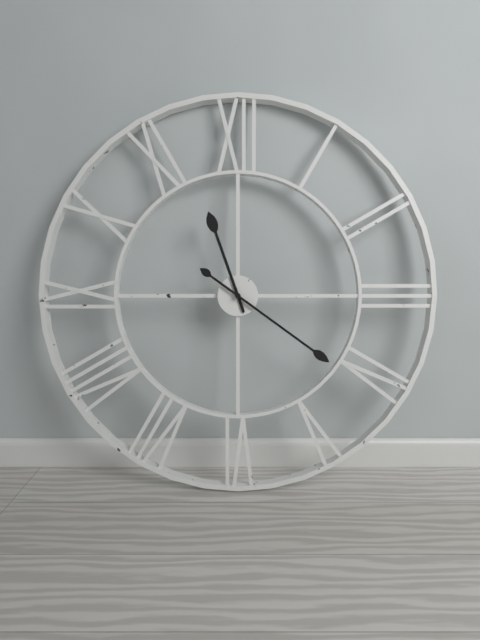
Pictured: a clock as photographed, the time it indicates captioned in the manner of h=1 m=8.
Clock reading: h=11 m=21
